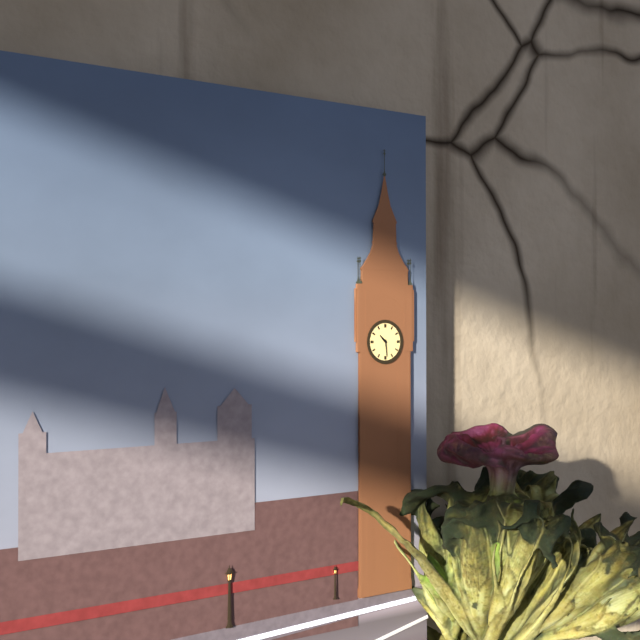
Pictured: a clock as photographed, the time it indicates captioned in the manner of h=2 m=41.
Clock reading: h=10 m=29
